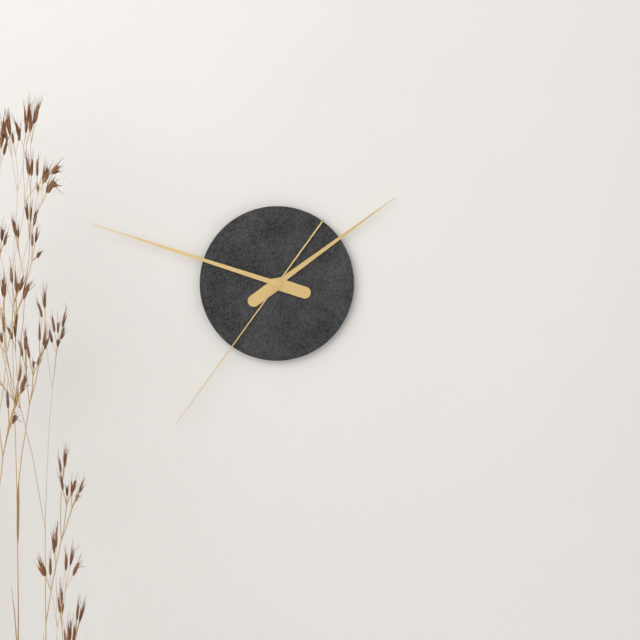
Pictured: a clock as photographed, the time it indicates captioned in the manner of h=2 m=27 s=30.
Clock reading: h=1 m=48 s=36
